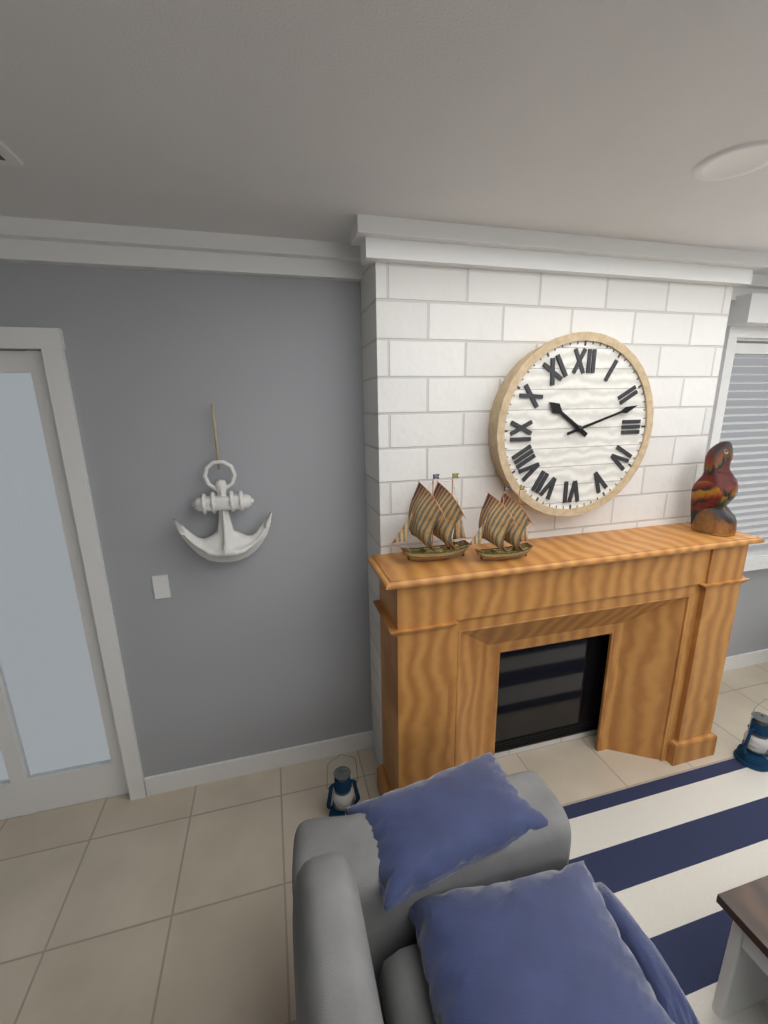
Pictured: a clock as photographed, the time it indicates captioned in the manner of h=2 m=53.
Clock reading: h=10 m=12
